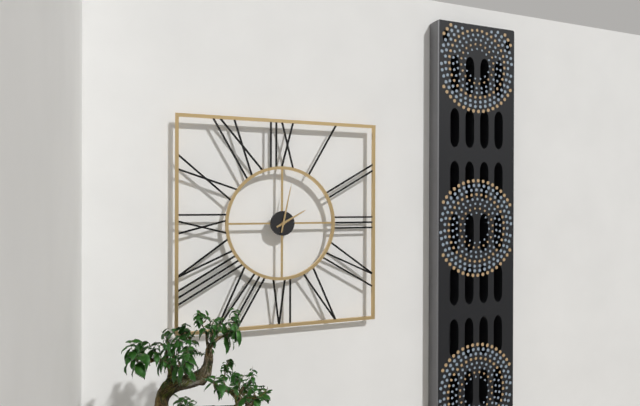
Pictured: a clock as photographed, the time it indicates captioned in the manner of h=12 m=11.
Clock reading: h=2 m=2
